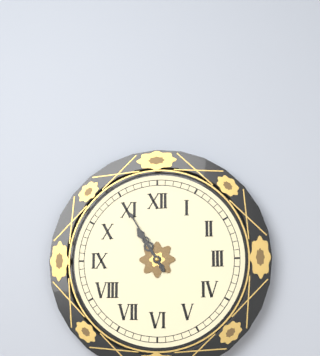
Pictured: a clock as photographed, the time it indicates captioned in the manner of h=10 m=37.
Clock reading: h=10 m=55
